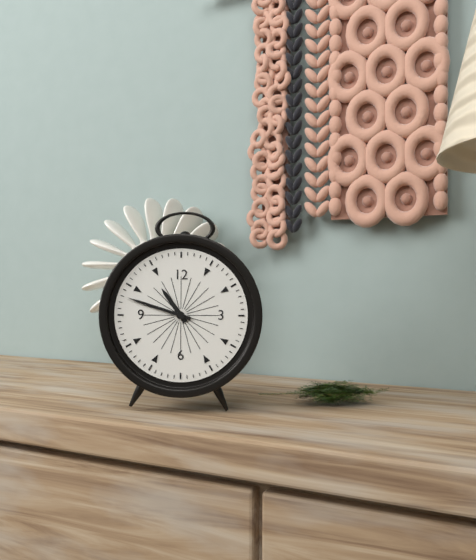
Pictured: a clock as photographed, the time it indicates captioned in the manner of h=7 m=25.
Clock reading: h=10 m=48
